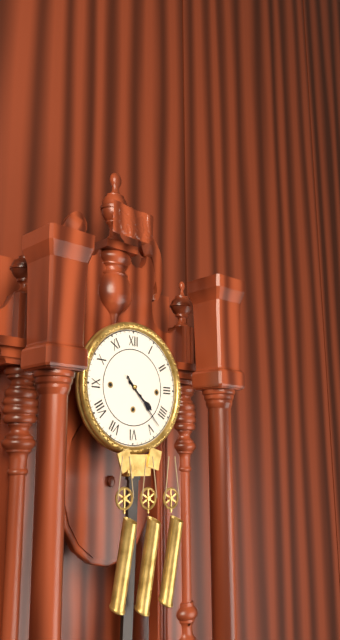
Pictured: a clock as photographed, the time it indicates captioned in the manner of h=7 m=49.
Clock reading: h=4 m=23
